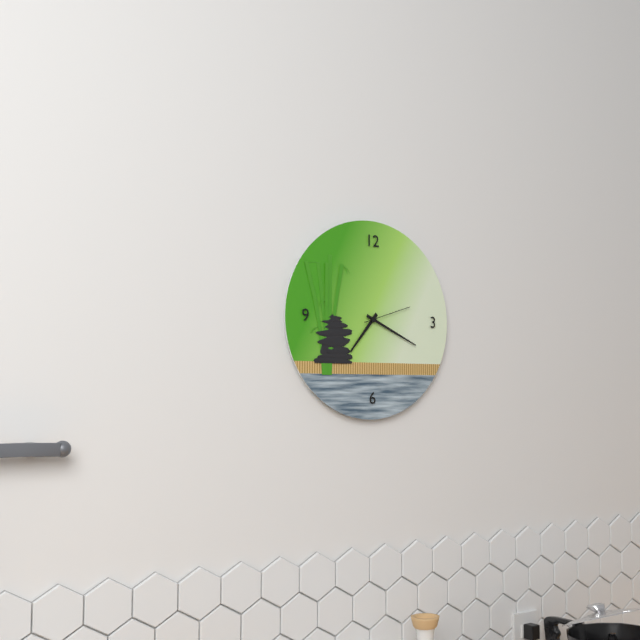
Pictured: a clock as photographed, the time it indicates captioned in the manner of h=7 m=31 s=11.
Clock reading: h=7 m=19 s=12
